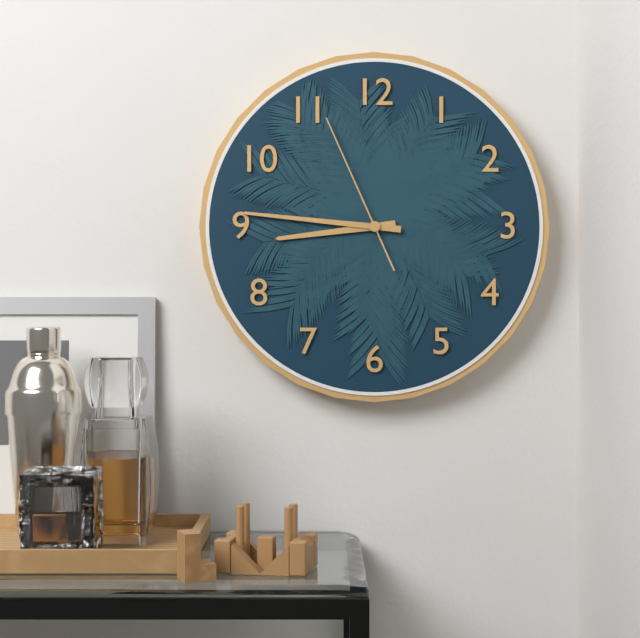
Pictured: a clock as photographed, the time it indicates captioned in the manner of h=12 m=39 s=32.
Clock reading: h=8 m=46 s=56
